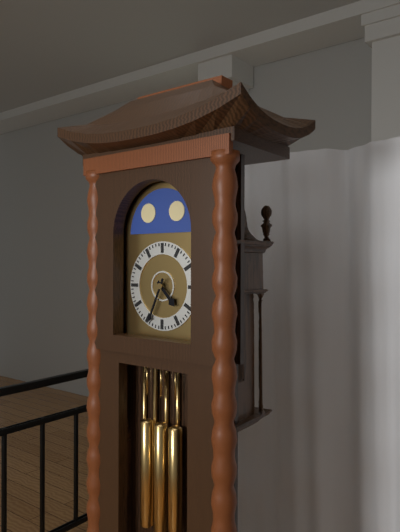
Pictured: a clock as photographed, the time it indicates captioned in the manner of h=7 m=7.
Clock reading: h=4 m=34
